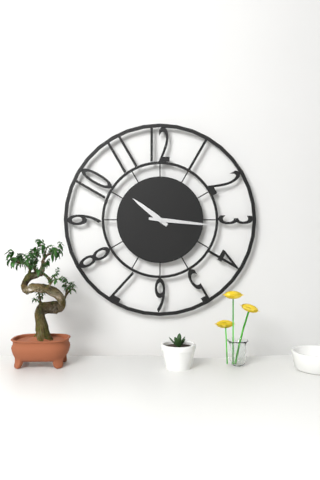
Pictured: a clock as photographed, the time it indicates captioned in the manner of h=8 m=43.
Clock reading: h=10 m=16
